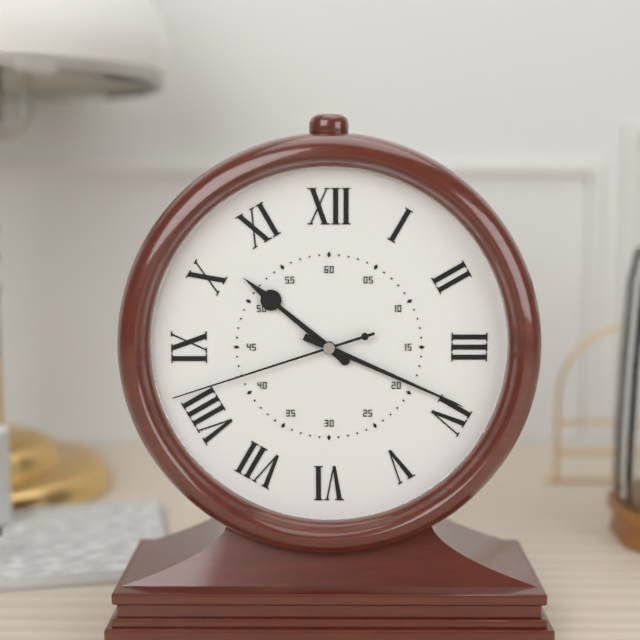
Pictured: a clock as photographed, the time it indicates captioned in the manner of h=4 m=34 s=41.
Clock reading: h=10 m=19 s=42
